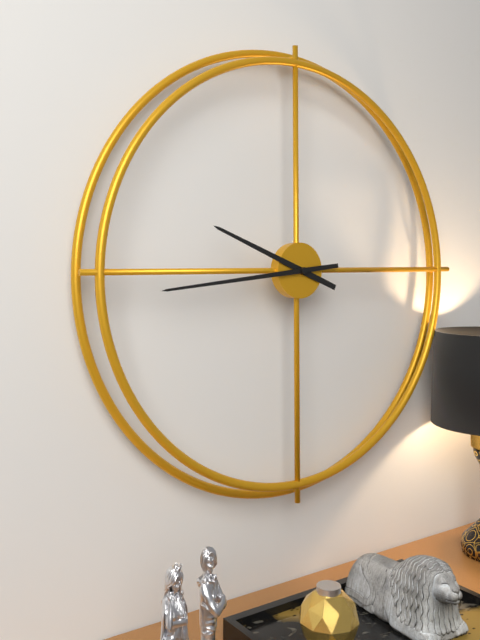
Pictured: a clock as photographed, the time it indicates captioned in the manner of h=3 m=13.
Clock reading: h=9 m=44
